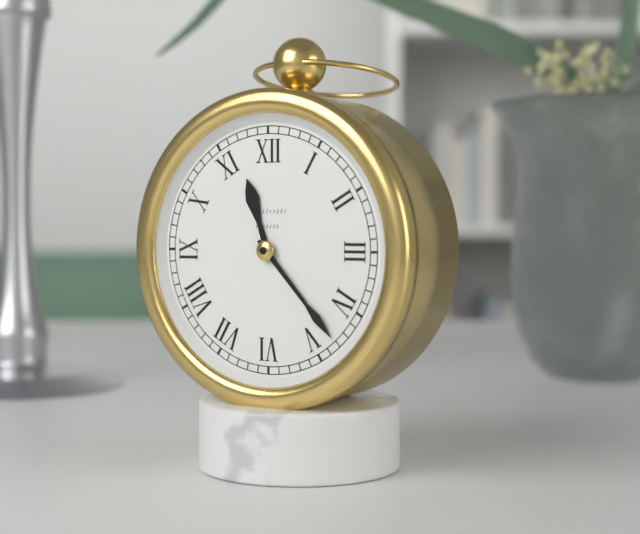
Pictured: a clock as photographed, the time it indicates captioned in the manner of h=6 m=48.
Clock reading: h=11 m=23
